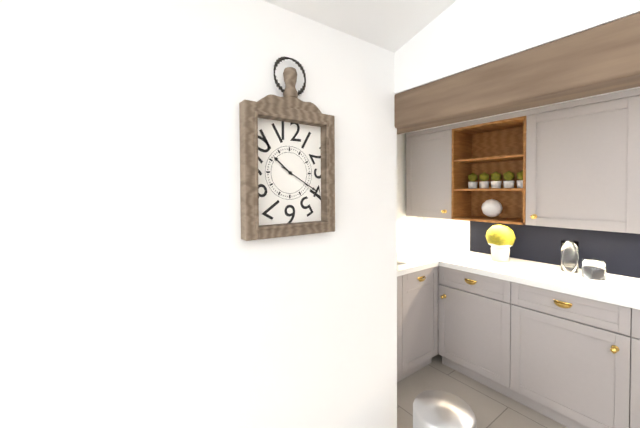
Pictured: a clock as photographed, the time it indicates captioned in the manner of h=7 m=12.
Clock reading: h=10 m=20
